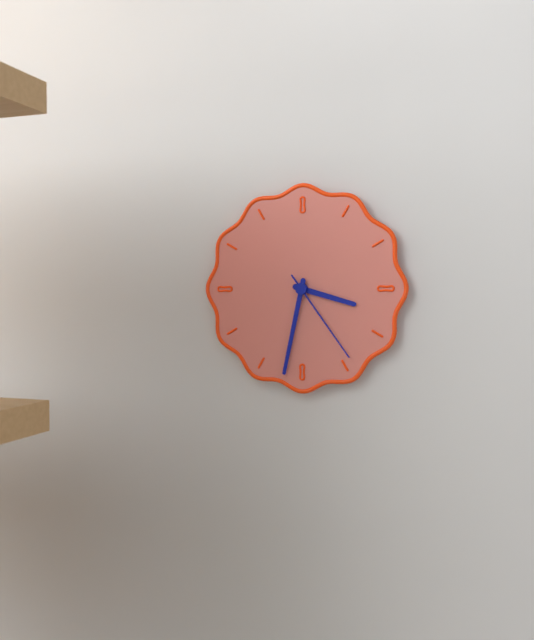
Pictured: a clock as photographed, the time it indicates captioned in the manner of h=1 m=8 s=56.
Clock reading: h=3 m=32 s=24
